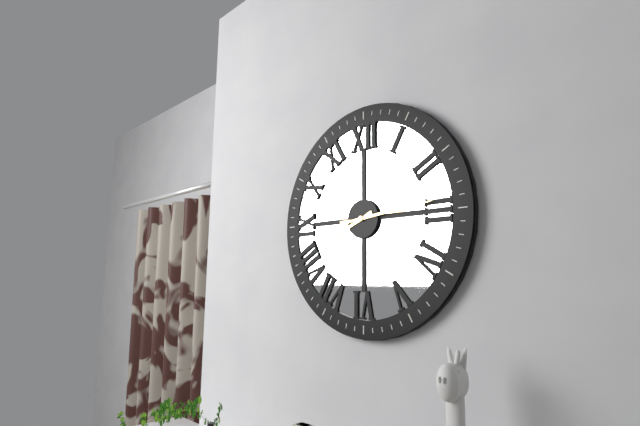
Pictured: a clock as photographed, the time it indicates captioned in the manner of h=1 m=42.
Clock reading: h=8 m=14
